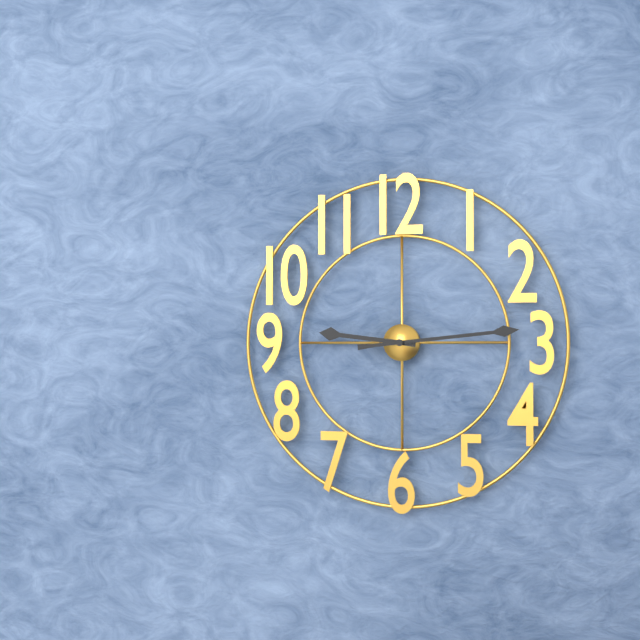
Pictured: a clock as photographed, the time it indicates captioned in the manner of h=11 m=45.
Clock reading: h=9 m=14
